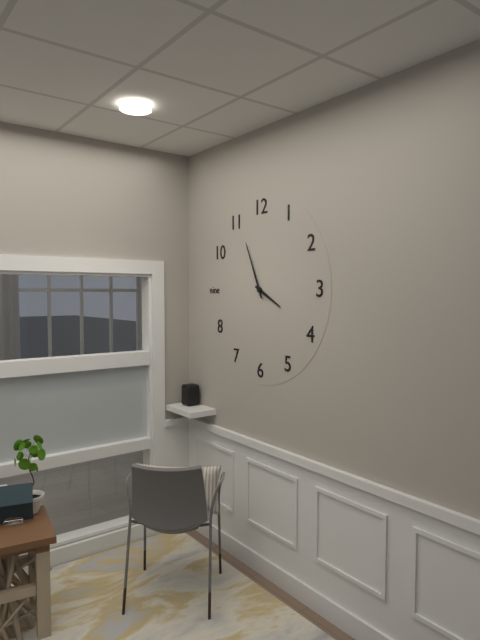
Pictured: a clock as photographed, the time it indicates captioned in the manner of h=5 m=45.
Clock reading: h=3 m=56
